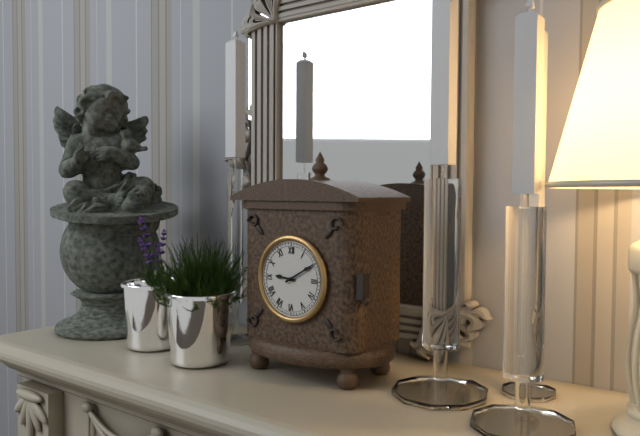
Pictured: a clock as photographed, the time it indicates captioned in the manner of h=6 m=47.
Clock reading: h=9 m=10
